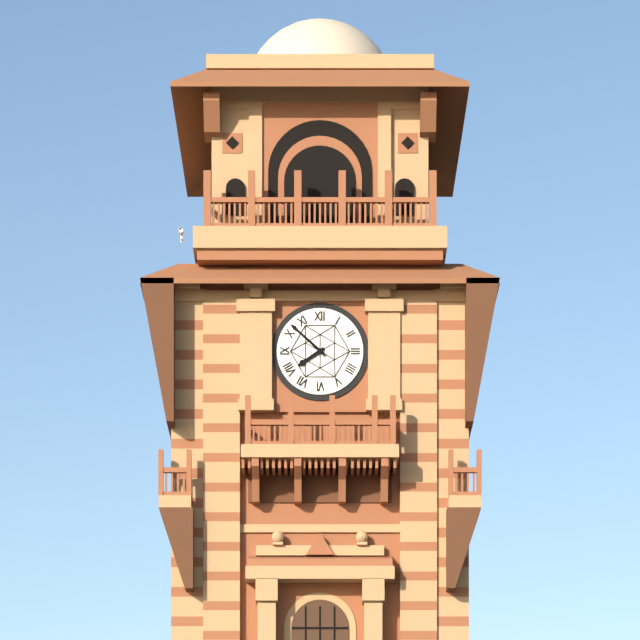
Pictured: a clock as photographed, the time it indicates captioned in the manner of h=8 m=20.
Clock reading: h=7 m=52
